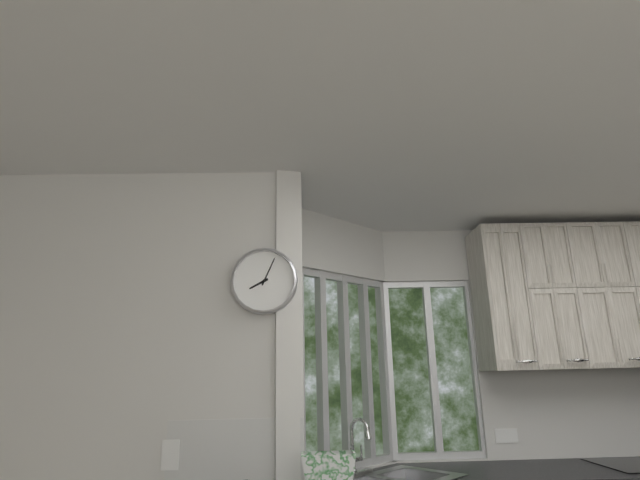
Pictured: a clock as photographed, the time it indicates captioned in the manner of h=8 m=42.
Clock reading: h=8 m=4
